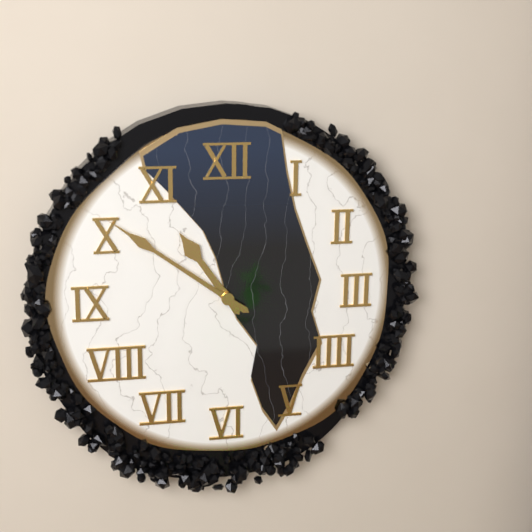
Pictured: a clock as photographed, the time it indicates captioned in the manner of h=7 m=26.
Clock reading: h=10 m=51
